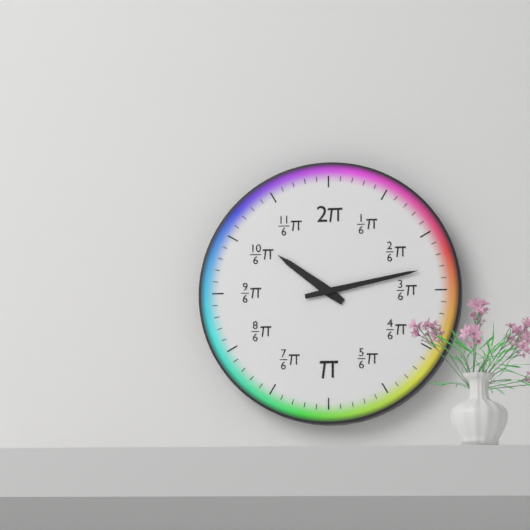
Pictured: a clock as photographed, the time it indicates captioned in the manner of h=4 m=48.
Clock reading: h=10 m=13
